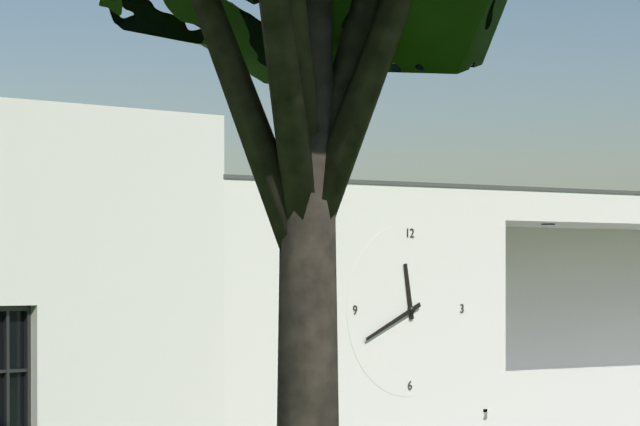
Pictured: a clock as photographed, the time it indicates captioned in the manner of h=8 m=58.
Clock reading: h=11 m=41
